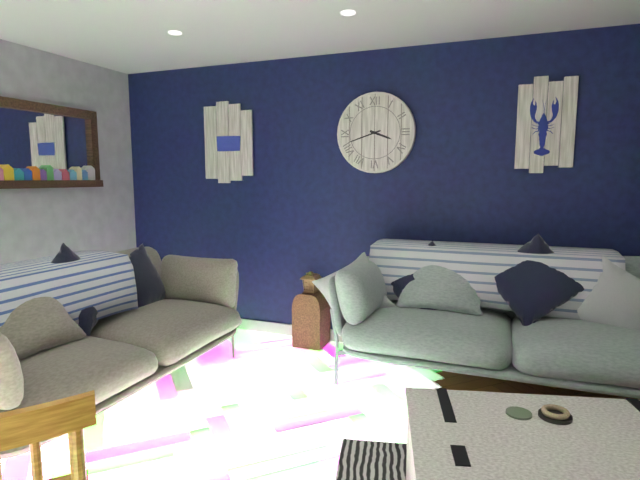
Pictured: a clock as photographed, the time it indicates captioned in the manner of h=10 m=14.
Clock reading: h=3 m=42
